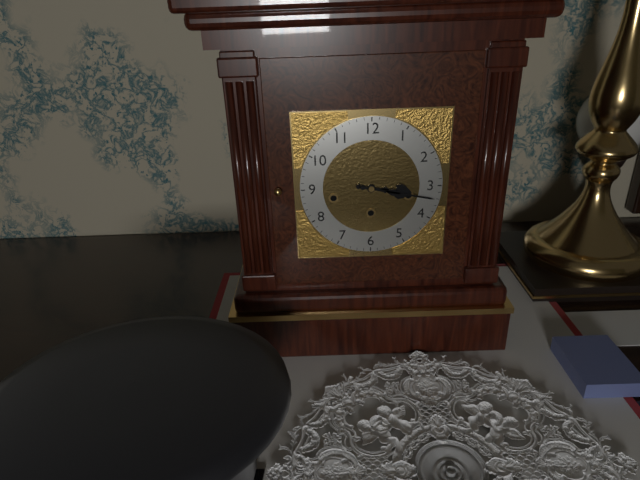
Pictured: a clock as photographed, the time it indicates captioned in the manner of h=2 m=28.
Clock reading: h=3 m=17
